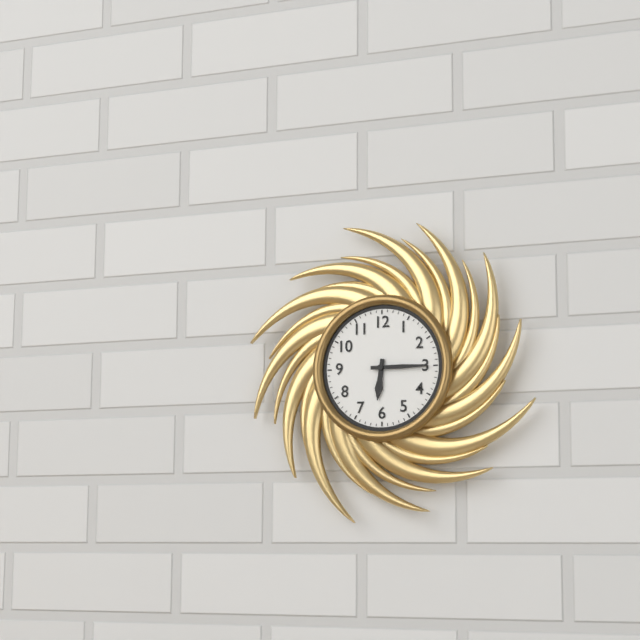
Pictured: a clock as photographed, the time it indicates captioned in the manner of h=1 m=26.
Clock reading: h=6 m=15
